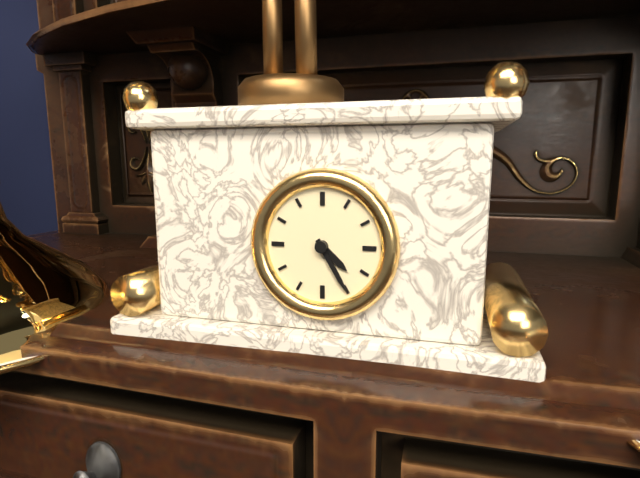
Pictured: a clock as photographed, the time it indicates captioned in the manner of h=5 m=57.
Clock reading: h=4 m=25
